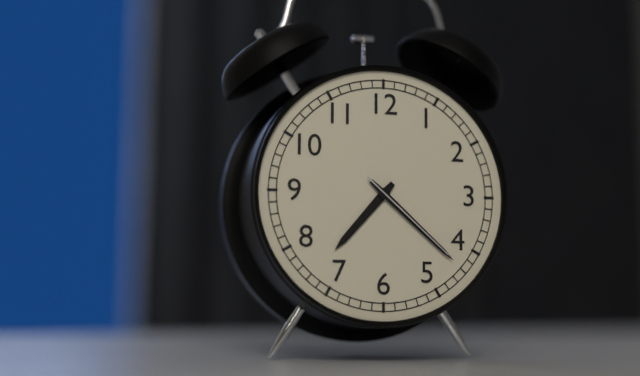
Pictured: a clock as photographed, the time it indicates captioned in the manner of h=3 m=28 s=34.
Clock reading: h=7 m=22 s=22
